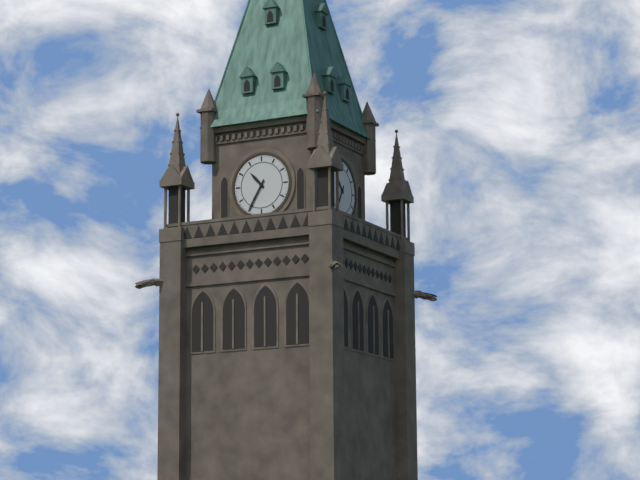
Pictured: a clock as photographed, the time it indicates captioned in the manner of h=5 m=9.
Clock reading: h=10 m=35
